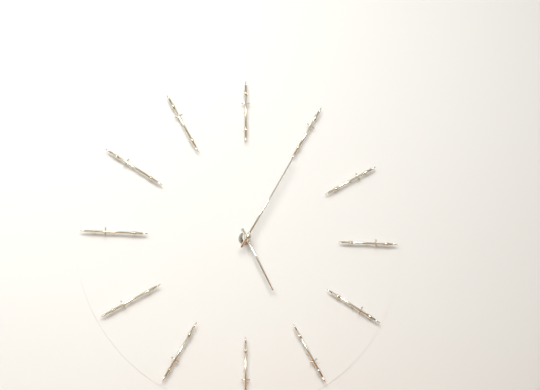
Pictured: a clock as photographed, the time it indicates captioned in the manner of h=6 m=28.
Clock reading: h=5 m=5
